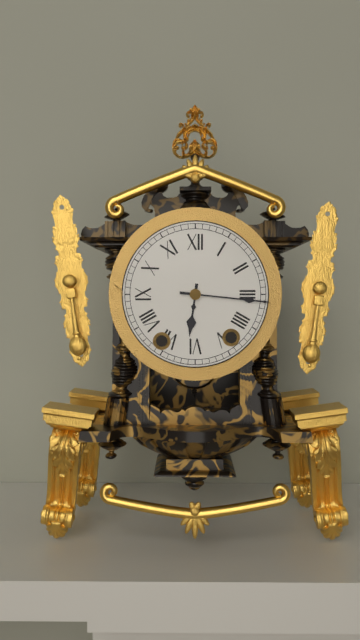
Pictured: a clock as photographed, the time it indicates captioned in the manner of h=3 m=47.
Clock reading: h=6 m=16
